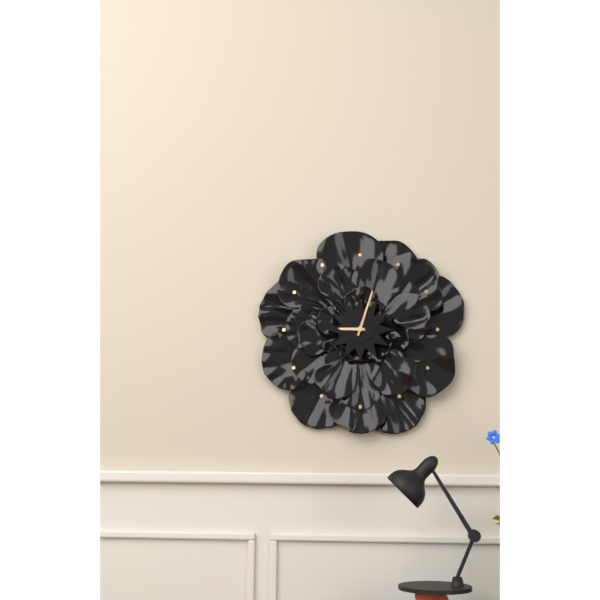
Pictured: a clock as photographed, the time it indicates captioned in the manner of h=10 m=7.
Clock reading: h=9 m=3
